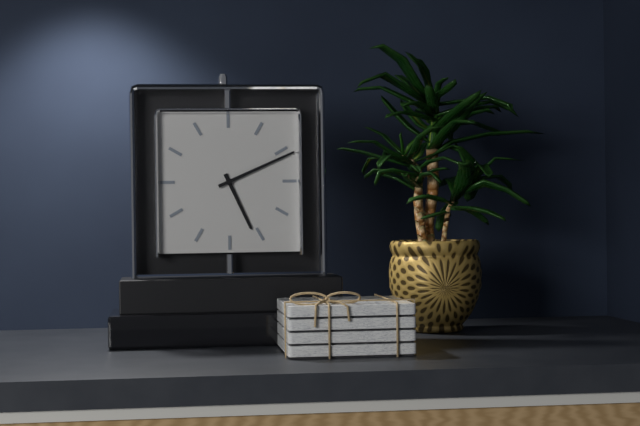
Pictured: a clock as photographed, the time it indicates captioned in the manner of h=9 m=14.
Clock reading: h=5 m=11
